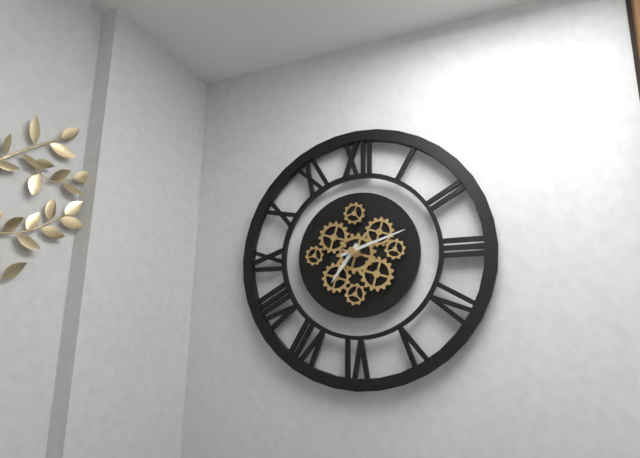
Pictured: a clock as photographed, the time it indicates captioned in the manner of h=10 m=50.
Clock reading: h=7 m=12
